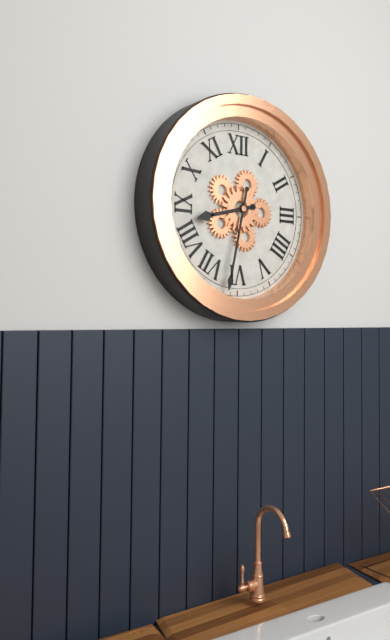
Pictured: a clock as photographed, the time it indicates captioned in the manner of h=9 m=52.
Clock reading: h=8 m=32
